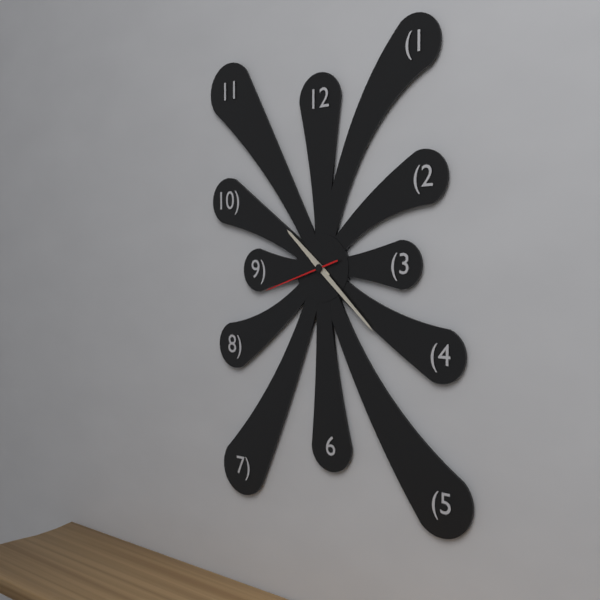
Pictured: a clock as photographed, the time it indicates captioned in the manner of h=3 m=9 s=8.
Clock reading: h=10 m=22 s=42
